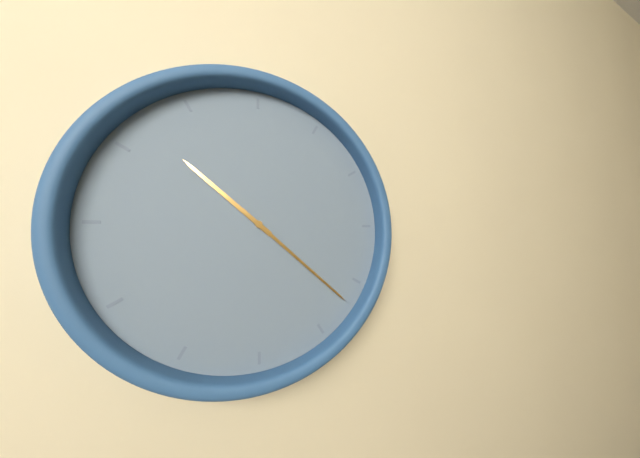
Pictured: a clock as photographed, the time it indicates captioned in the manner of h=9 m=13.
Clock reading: h=10 m=22
